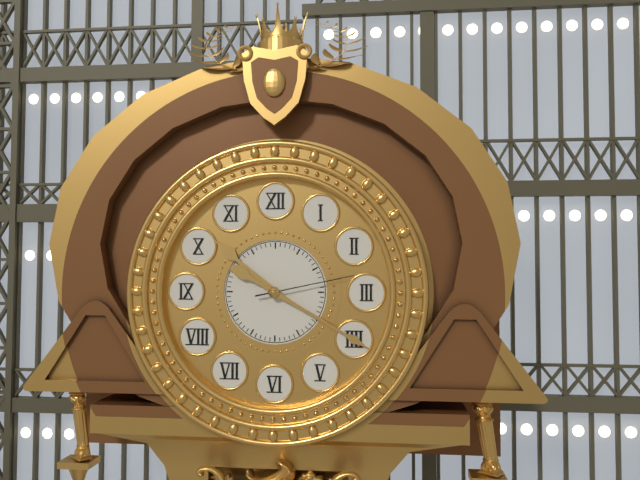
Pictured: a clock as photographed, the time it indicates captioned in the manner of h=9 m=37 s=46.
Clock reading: h=10 m=20 s=13
